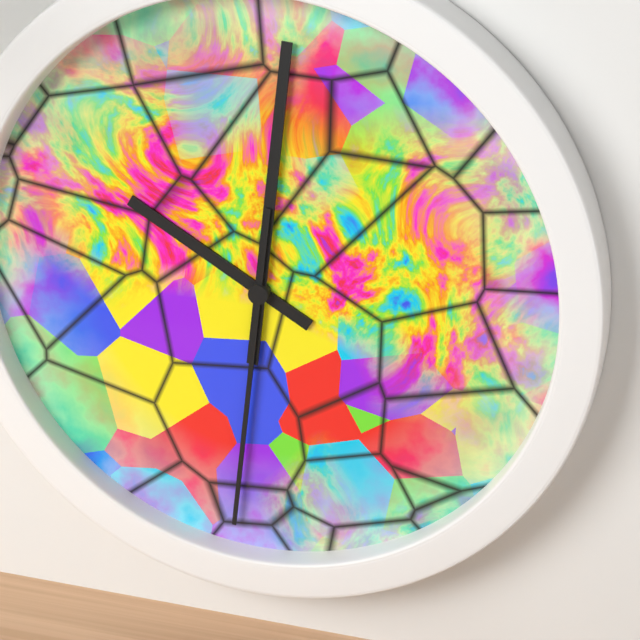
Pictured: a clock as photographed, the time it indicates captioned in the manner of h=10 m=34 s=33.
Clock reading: h=10 m=1 s=31
